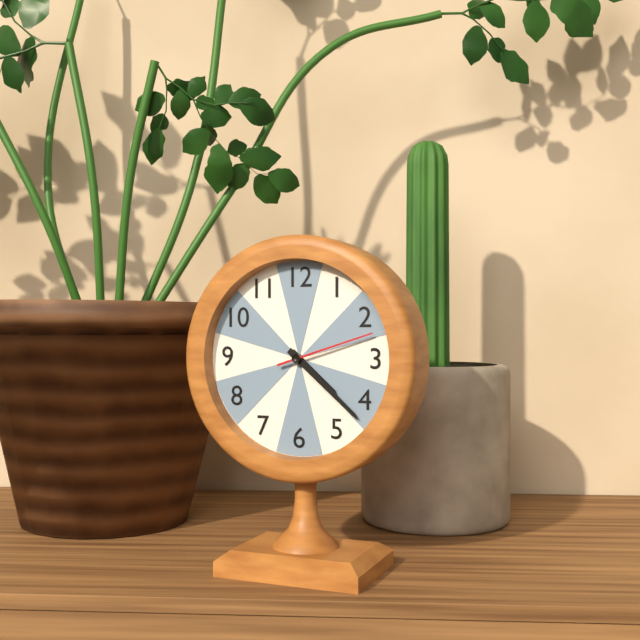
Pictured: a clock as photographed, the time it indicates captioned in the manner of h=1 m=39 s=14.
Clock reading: h=4 m=22 s=12
